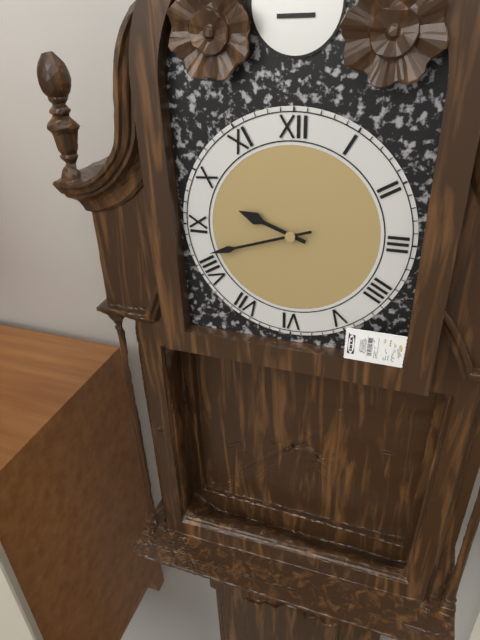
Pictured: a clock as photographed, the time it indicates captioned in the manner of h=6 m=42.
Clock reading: h=9 m=42
